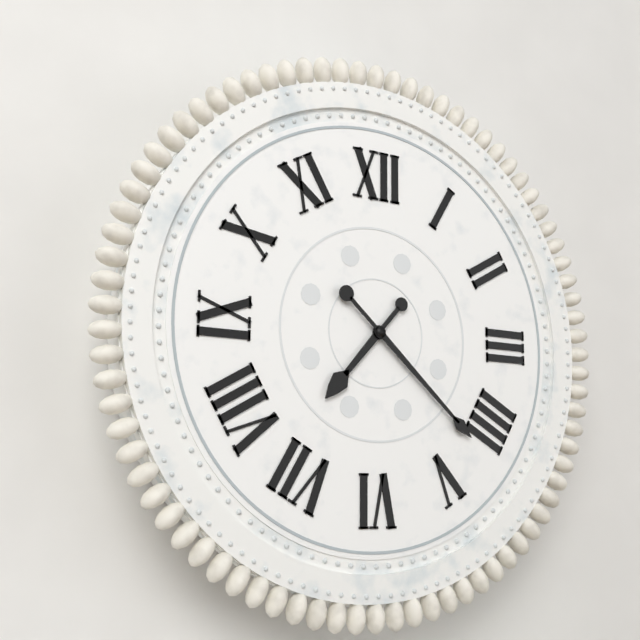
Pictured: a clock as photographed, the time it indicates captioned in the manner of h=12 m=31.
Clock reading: h=7 m=22
